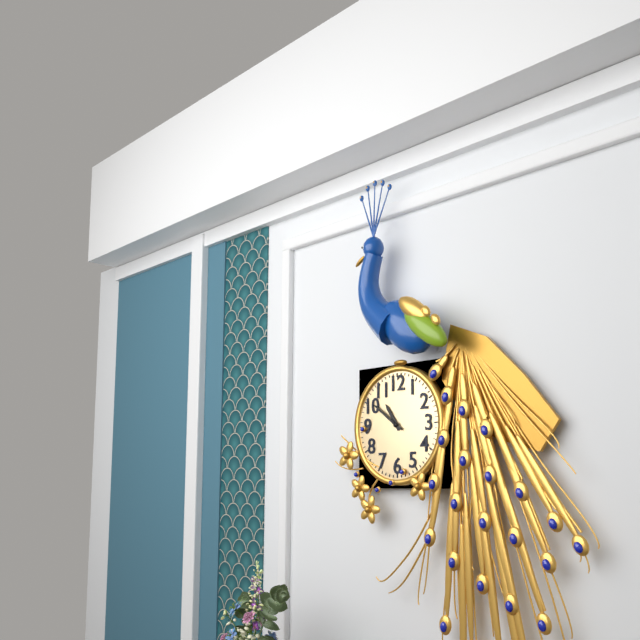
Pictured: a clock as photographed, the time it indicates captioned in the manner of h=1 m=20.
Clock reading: h=10 m=51
